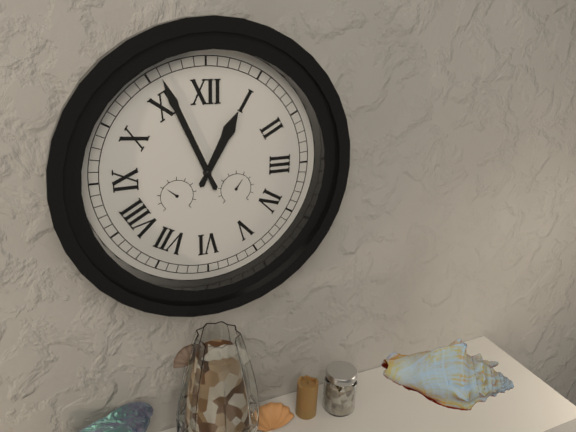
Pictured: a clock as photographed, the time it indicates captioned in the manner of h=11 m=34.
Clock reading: h=12 m=56
